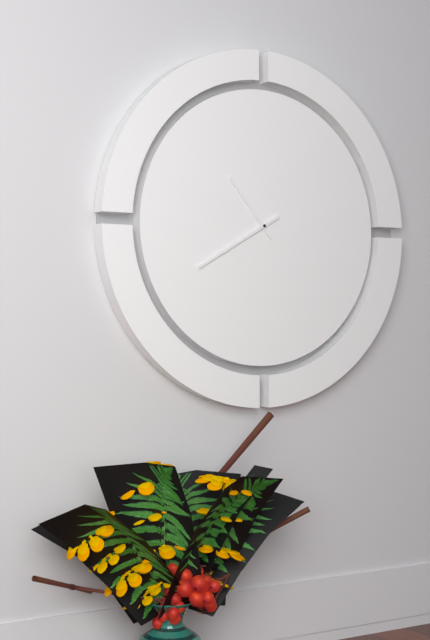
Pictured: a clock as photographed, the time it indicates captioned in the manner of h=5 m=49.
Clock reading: h=10 m=40
